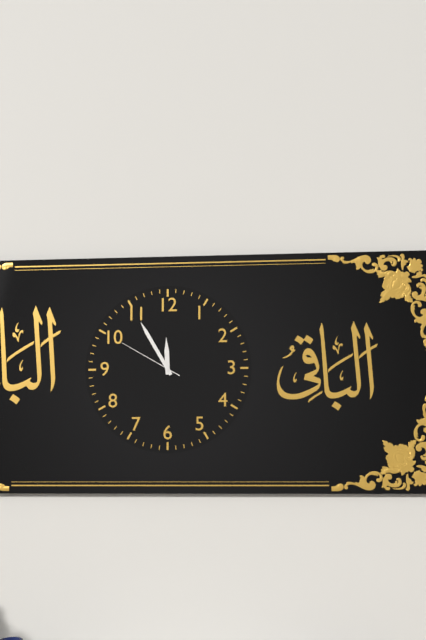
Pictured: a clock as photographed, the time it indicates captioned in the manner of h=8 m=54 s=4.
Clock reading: h=11 m=55 s=50
